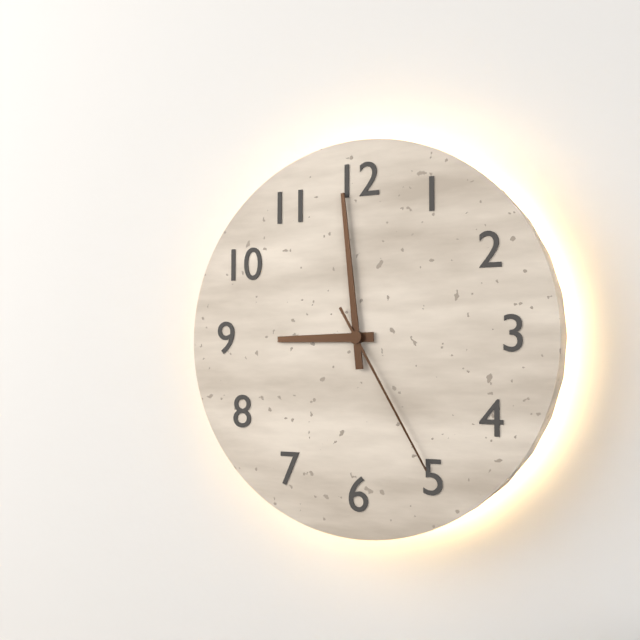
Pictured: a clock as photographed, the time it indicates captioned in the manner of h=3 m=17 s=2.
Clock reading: h=8 m=59 s=25
